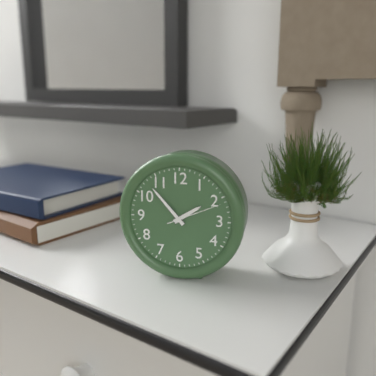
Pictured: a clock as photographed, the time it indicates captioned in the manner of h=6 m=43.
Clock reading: h=1 m=53
